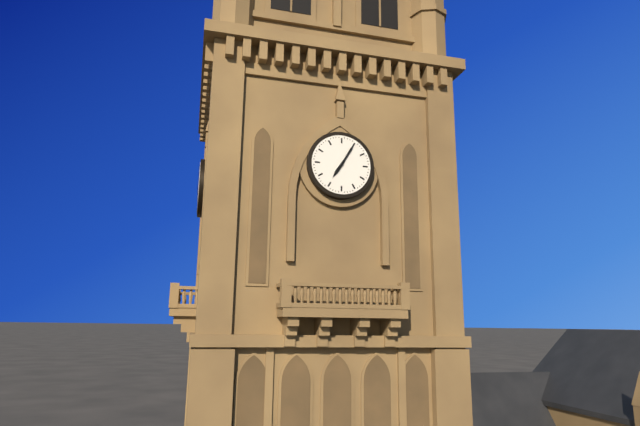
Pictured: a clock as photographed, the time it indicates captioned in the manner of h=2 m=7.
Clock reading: h=7 m=5
